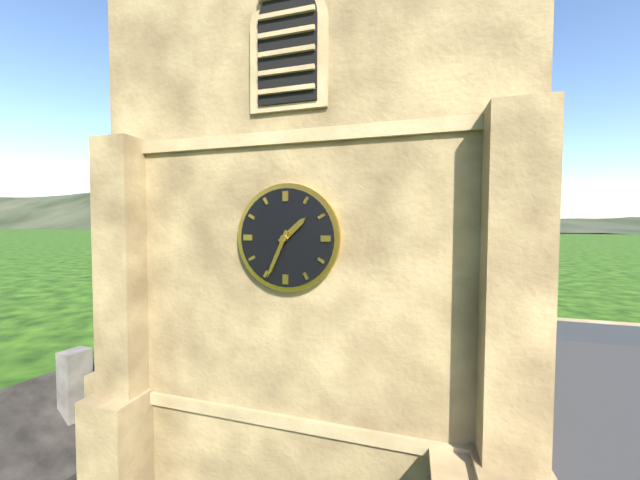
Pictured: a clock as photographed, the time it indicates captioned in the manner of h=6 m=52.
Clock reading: h=1 m=34
